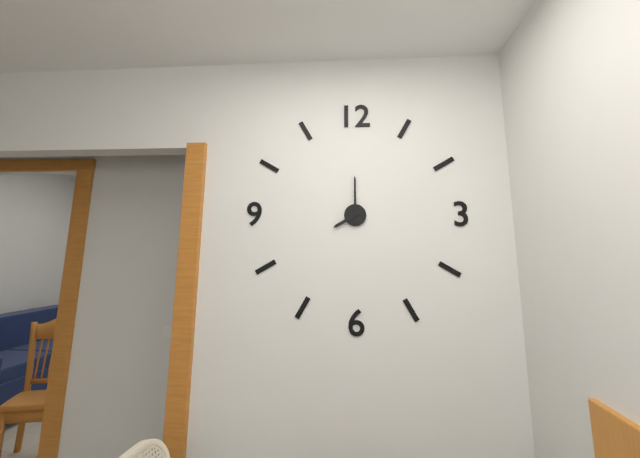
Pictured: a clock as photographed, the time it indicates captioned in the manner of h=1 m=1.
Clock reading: h=8 m=0
